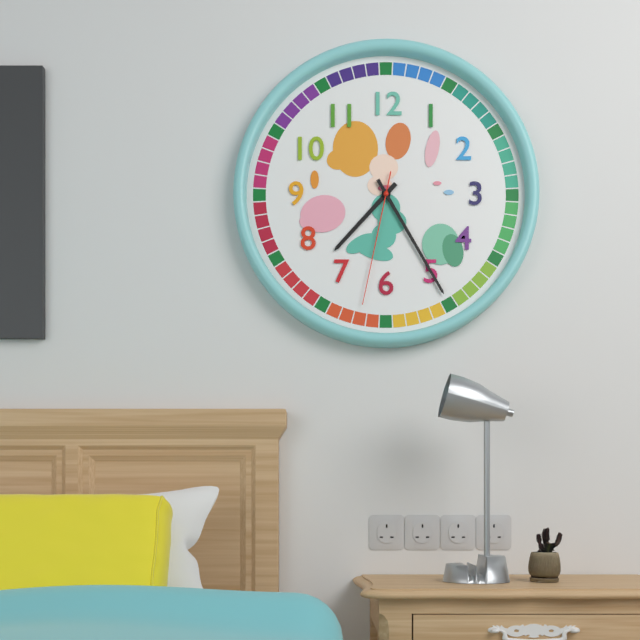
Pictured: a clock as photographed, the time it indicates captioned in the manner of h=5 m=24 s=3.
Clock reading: h=7 m=25 s=32
